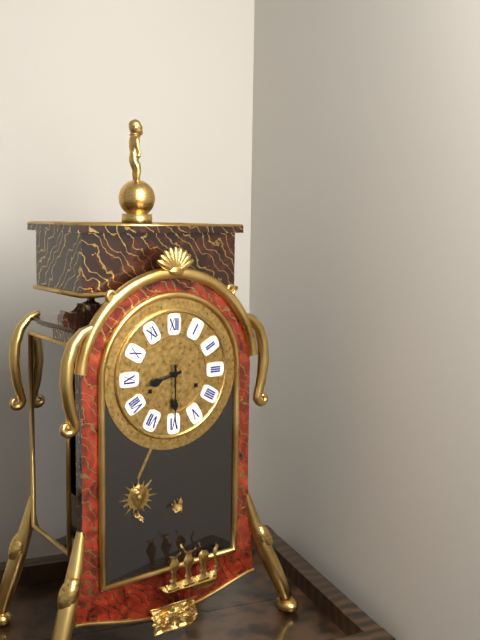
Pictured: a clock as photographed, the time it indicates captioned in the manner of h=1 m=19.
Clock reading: h=8 m=30
